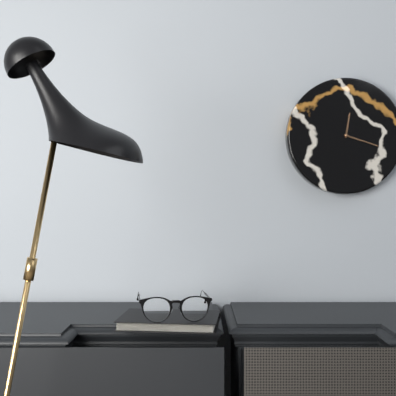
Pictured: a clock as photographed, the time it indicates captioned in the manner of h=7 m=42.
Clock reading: h=12 m=18
